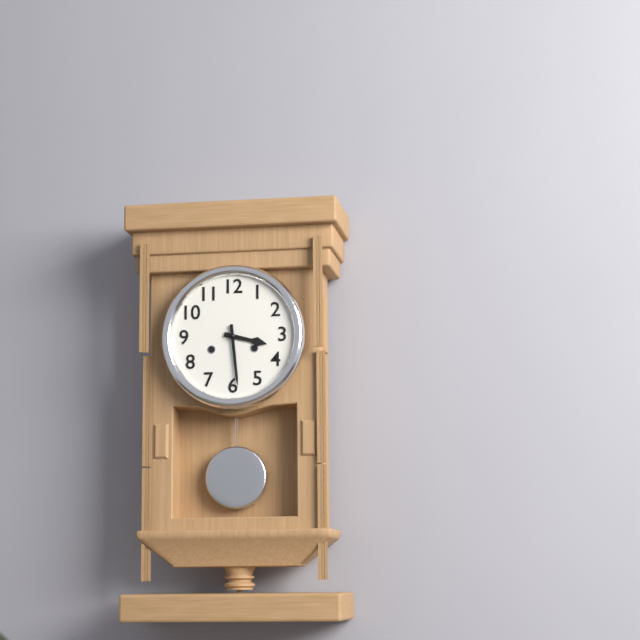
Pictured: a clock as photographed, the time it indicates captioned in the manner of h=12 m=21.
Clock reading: h=3 m=29
